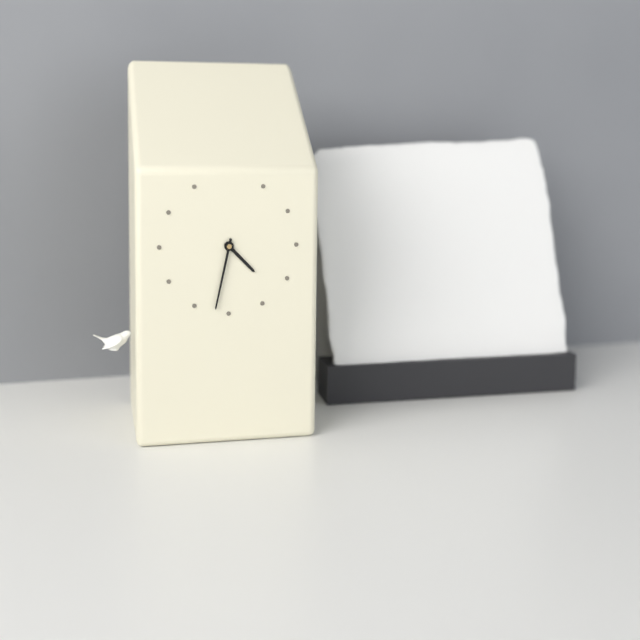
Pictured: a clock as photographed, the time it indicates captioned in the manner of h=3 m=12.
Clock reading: h=4 m=32
